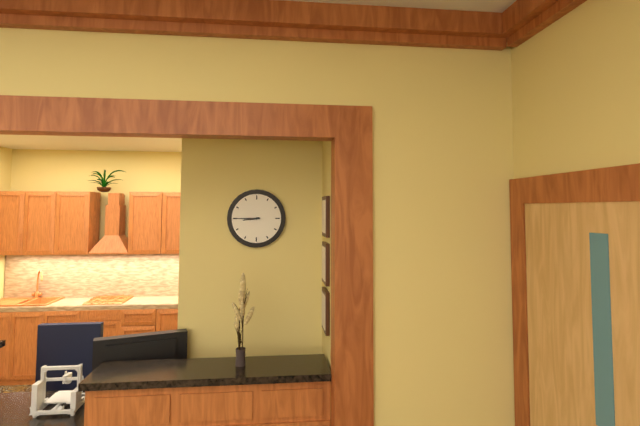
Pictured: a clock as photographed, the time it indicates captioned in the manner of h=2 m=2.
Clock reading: h=8 m=45
